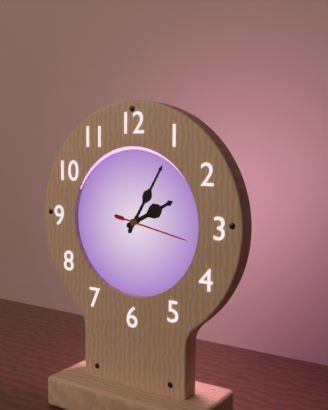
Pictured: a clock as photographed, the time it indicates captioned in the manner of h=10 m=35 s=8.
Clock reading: h=2 m=5 s=17
